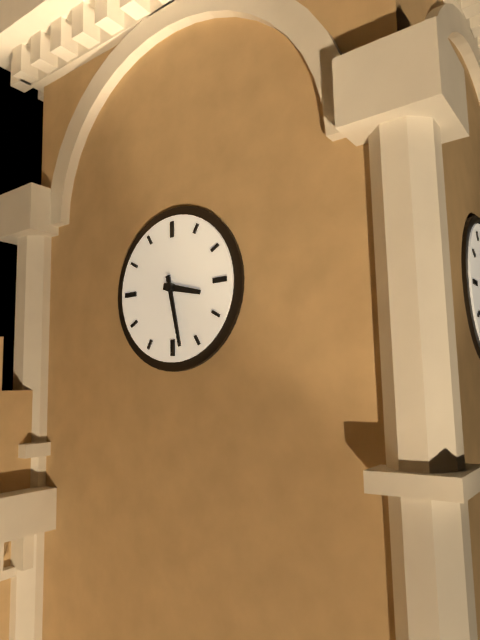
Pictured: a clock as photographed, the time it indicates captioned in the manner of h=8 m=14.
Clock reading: h=3 m=28
